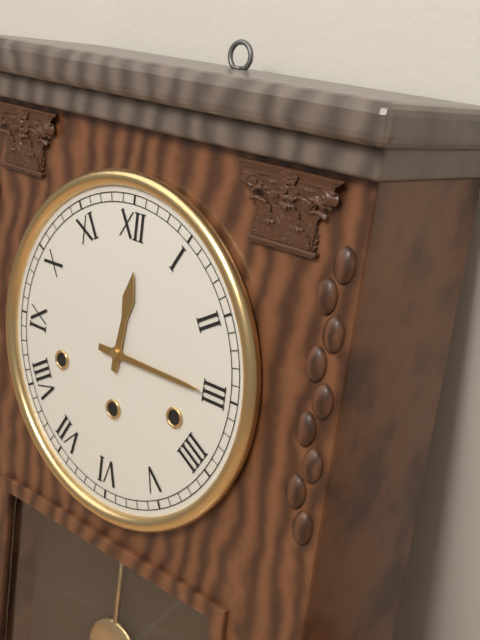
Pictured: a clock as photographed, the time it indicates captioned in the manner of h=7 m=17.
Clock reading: h=12 m=15
